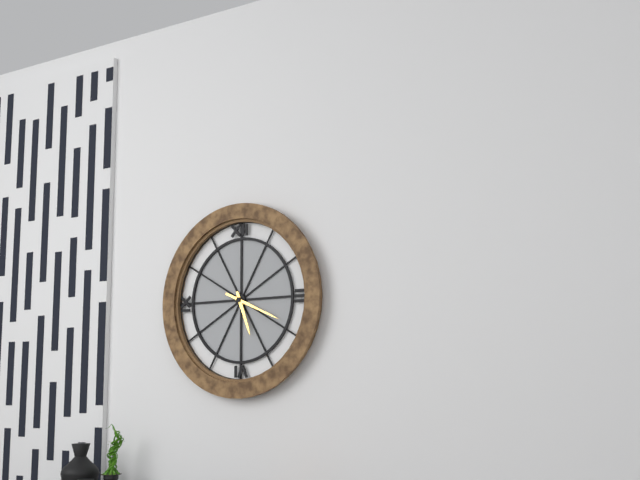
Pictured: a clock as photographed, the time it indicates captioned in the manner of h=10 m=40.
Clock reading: h=5 m=19
